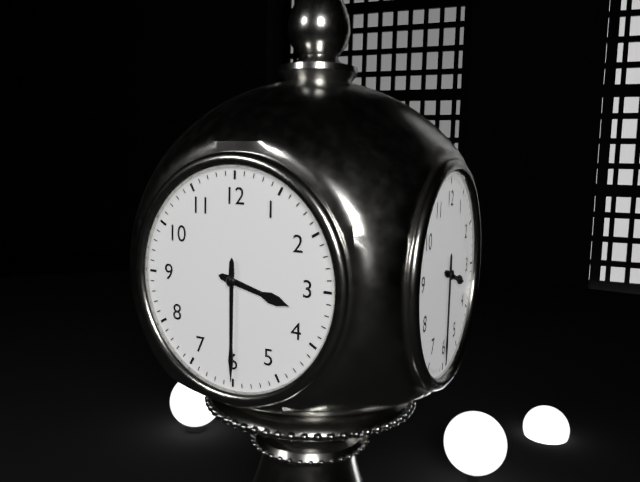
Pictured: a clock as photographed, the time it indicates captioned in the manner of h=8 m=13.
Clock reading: h=3 m=30
